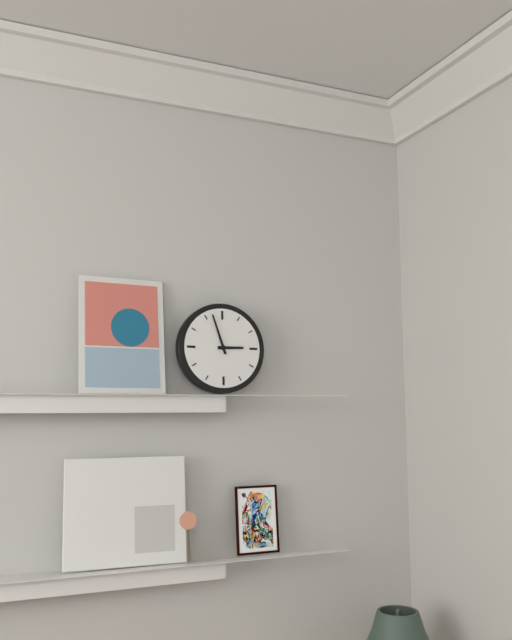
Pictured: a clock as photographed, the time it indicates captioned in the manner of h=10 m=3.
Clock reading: h=2 m=57
